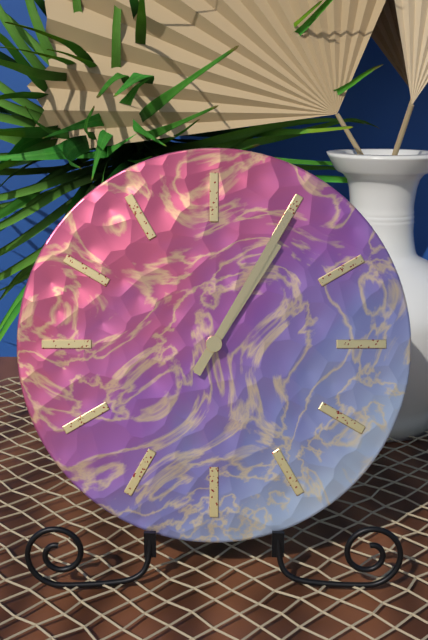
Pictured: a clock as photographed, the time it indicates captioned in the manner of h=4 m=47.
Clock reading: h=1 m=5
